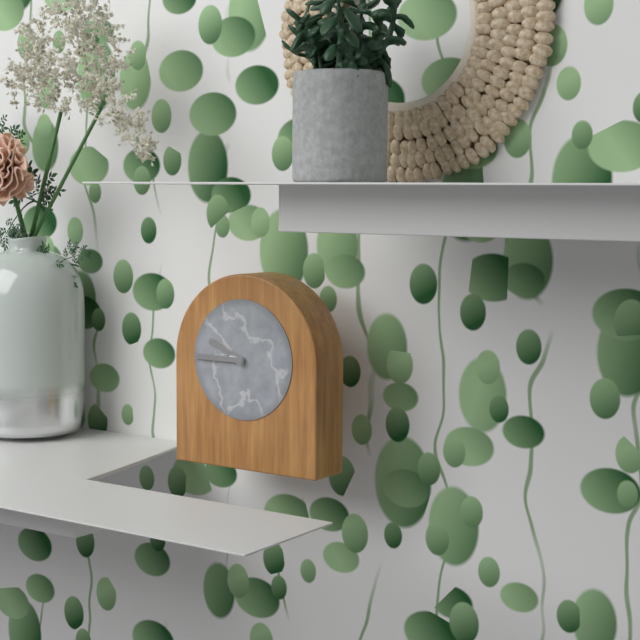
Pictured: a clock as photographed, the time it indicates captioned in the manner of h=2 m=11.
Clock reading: h=9 m=45
